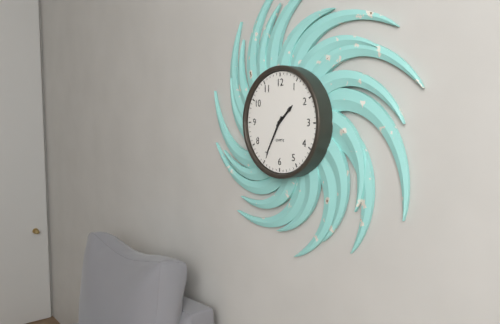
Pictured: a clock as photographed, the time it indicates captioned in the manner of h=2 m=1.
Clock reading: h=1 m=35
